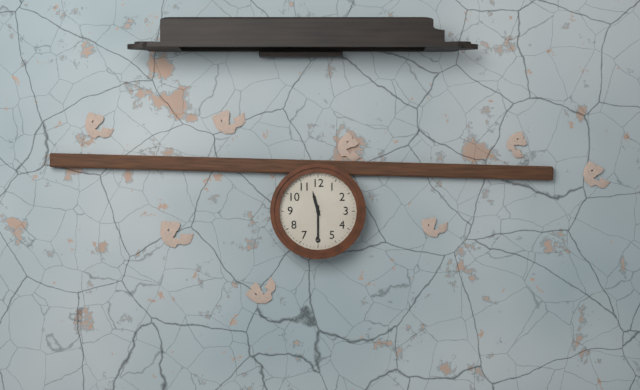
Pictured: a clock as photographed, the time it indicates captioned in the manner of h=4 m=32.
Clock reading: h=11 m=30
